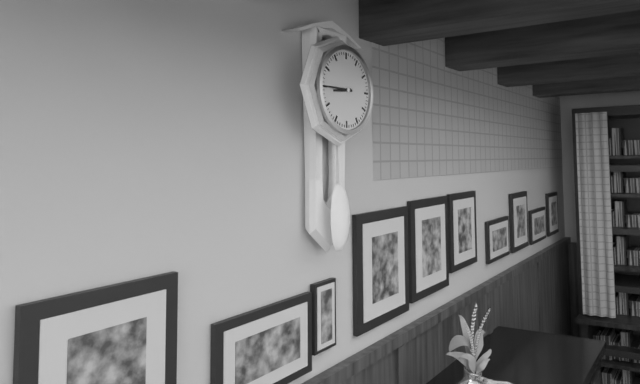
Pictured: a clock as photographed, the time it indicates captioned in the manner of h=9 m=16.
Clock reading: h=8 m=45
